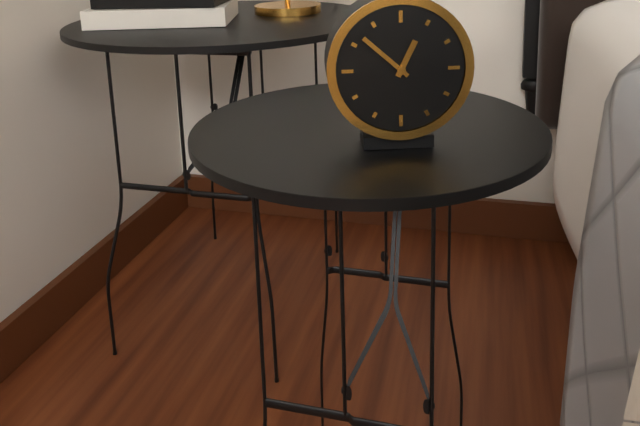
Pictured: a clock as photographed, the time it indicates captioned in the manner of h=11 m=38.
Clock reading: h=12 m=52
